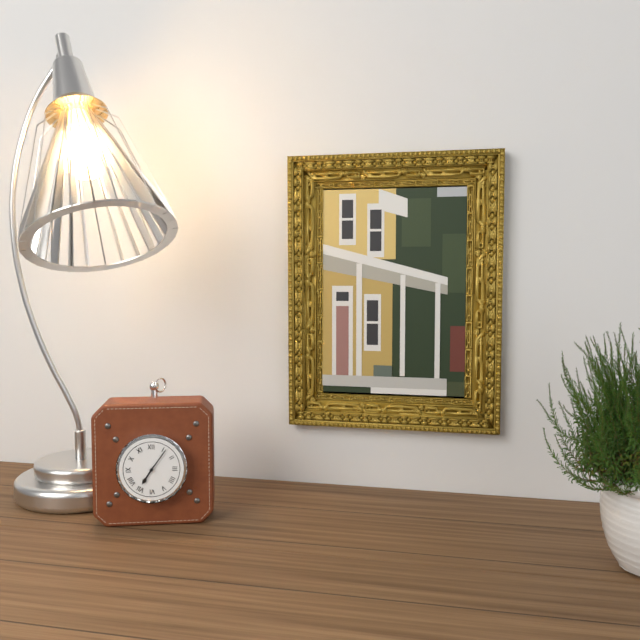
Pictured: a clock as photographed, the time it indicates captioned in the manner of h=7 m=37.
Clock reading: h=7 m=6
